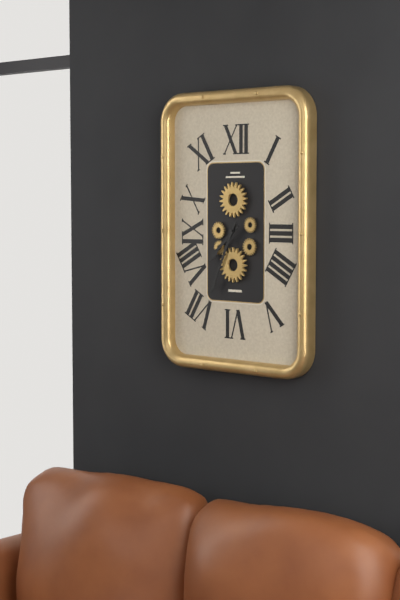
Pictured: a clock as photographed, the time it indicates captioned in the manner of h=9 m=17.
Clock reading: h=7 m=34
